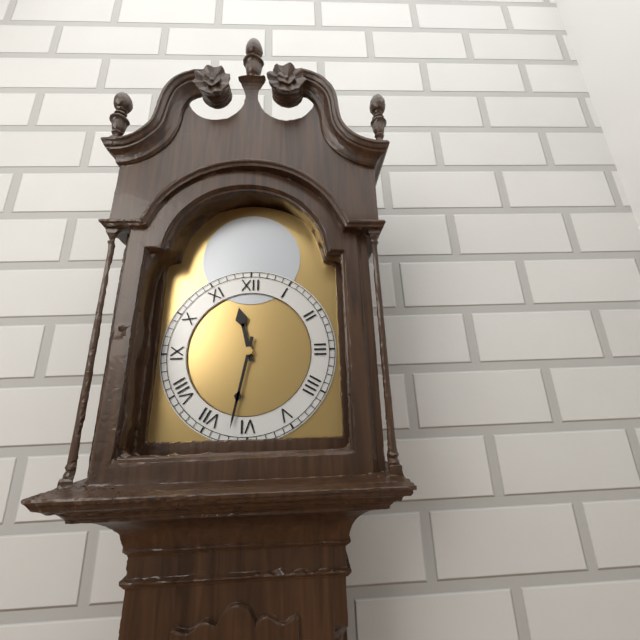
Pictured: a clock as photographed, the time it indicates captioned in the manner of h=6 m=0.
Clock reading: h=11 m=32
